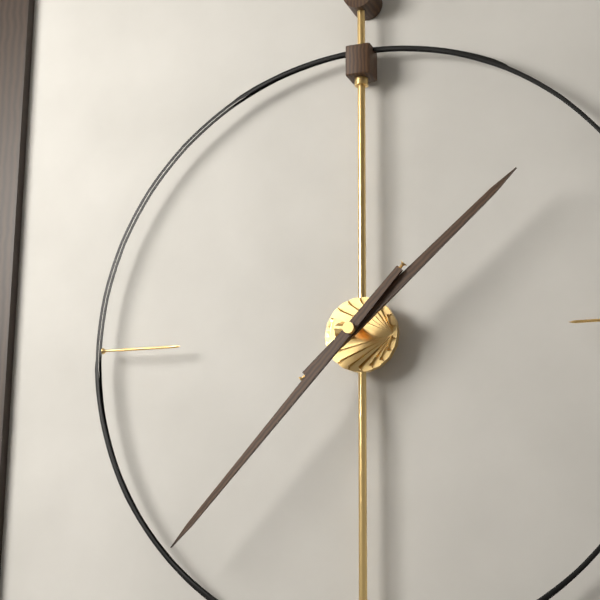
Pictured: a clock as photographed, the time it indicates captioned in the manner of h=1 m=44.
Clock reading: h=1 m=37
